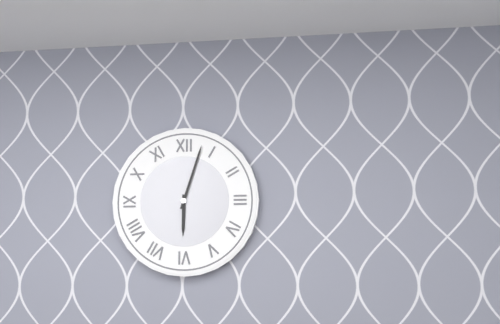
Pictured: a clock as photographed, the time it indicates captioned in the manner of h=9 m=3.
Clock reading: h=6 m=3
